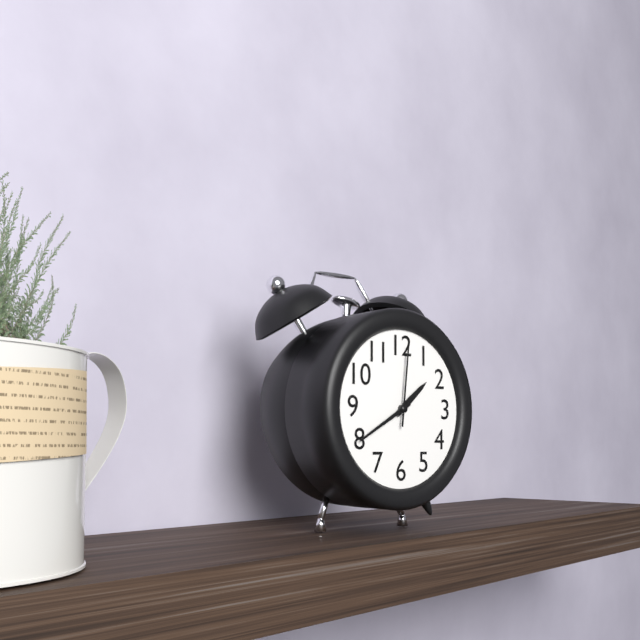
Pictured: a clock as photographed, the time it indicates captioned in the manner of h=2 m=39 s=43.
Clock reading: h=1 m=40 s=1
